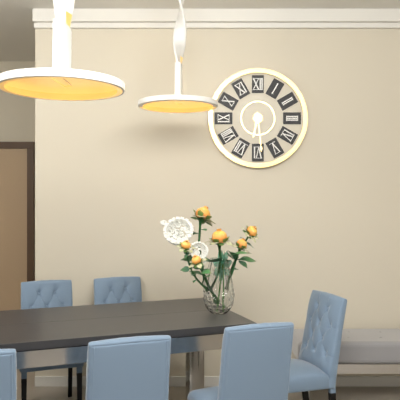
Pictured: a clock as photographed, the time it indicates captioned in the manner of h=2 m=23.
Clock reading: h=6 m=29
